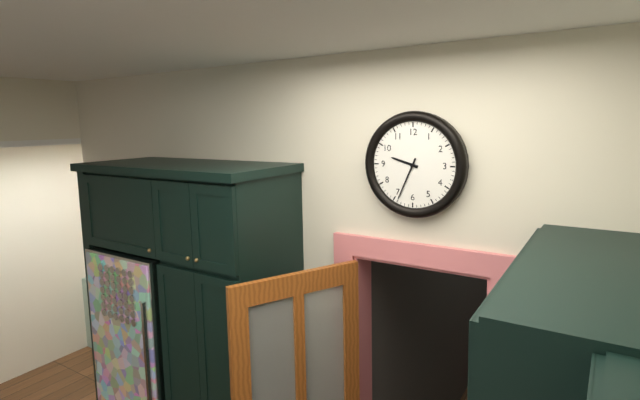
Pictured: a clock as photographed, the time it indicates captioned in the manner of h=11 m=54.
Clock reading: h=9 m=34
